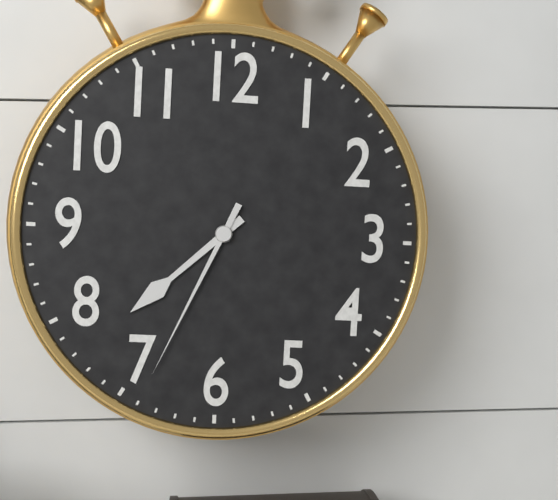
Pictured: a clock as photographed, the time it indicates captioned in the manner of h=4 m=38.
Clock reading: h=7 m=34
